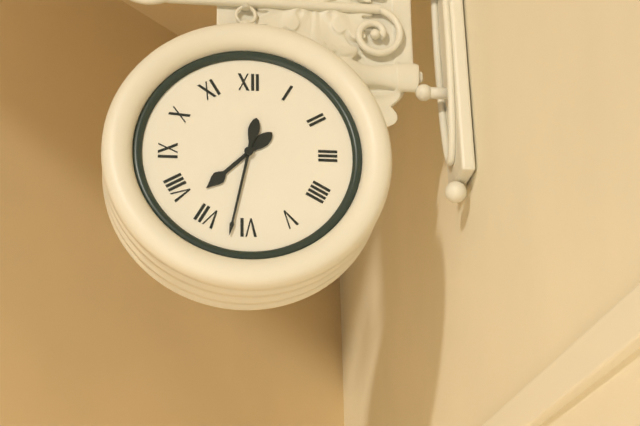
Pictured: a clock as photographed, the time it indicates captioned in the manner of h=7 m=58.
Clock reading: h=7 m=32
